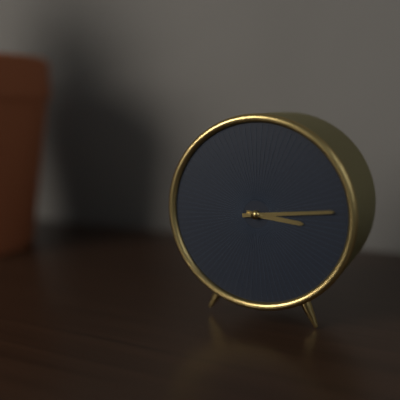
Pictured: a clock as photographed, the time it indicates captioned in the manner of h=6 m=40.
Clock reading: h=3 m=14
